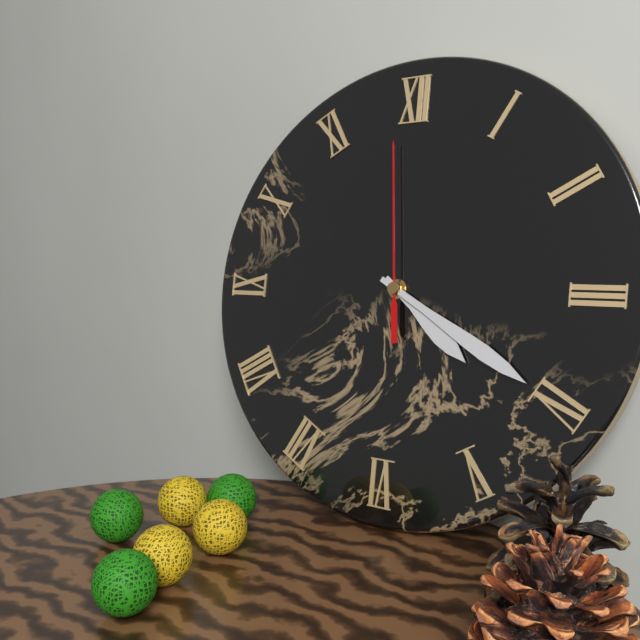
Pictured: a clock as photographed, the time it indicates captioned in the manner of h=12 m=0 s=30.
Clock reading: h=4 m=20 s=59
